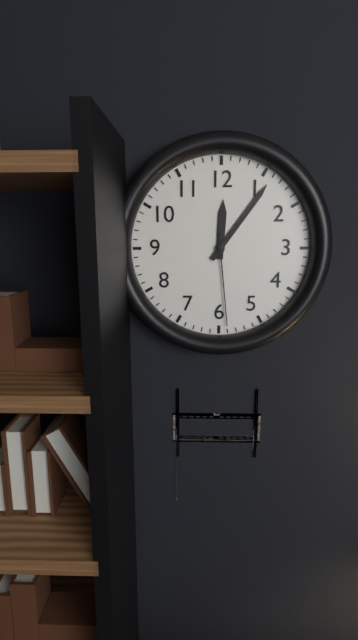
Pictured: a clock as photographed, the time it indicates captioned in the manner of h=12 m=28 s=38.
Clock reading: h=12 m=6 s=29
